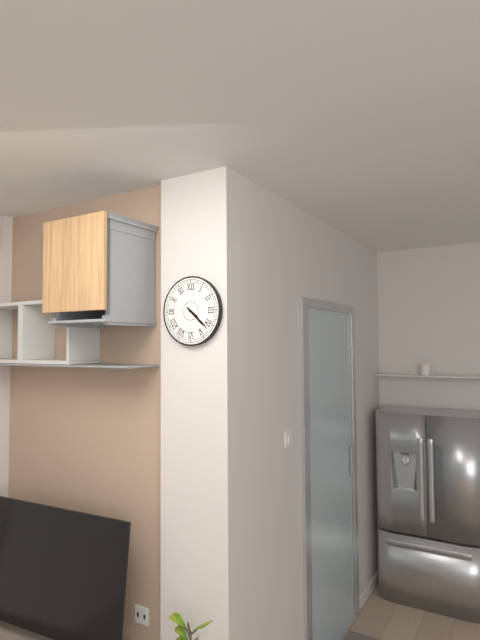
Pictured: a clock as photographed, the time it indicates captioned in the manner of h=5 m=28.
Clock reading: h=4 m=22
